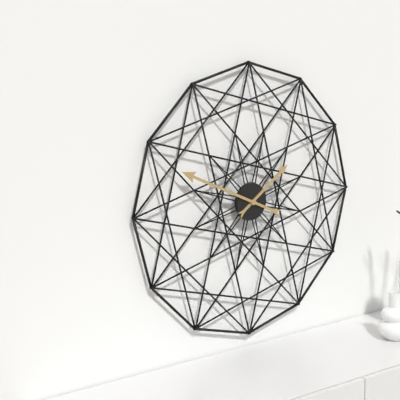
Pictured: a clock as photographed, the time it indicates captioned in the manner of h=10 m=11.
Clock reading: h=1 m=49
